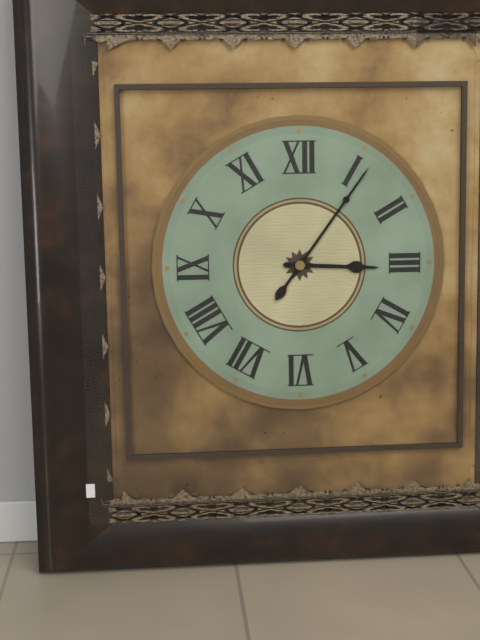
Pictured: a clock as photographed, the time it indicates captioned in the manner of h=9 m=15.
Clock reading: h=3 m=6
